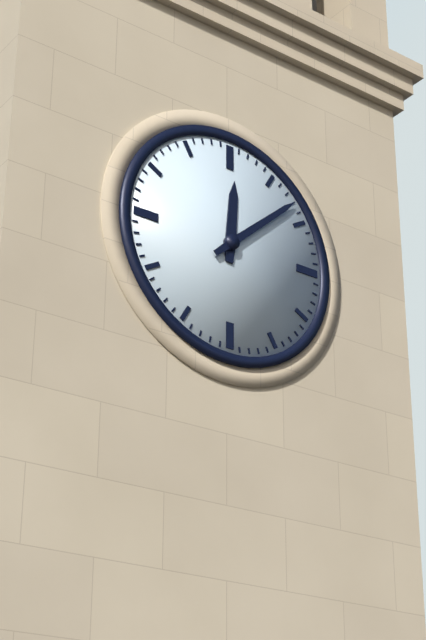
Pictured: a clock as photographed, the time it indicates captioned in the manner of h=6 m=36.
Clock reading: h=12 m=8
